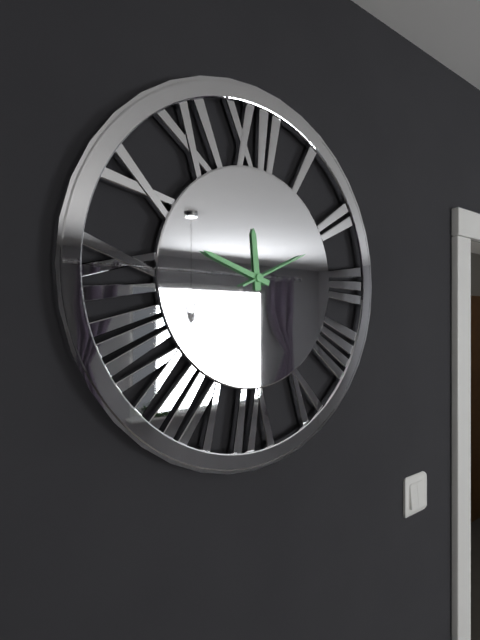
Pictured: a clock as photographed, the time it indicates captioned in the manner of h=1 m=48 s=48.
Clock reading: h=11 m=48 s=11
